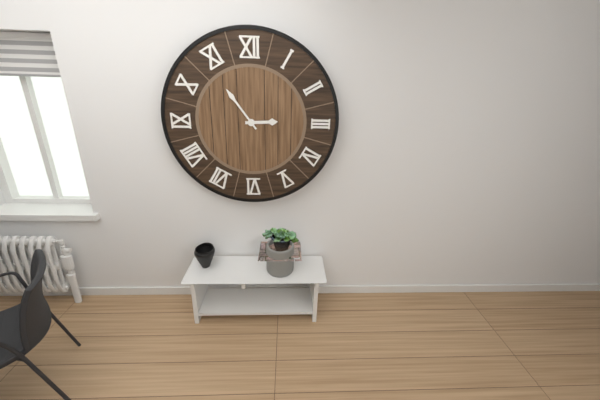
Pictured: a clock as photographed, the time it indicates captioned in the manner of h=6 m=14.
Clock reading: h=2 m=54
